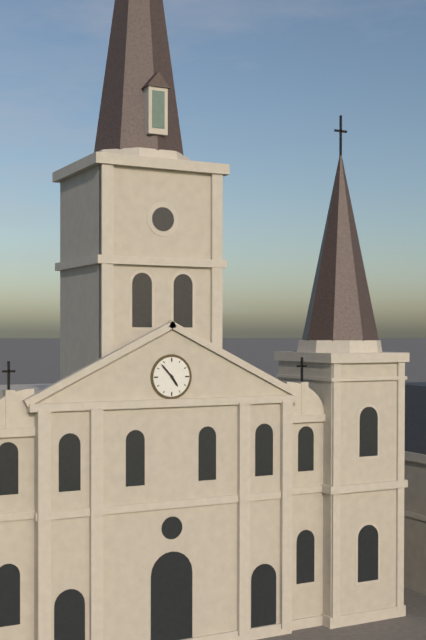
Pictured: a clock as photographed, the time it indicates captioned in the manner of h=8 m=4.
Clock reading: h=4 m=53
